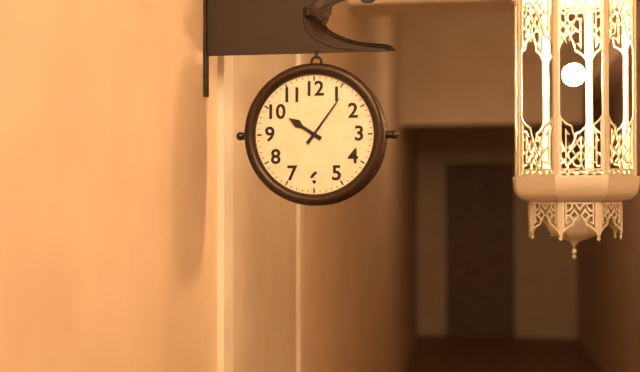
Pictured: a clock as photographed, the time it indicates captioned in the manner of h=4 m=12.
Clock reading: h=10 m=6
